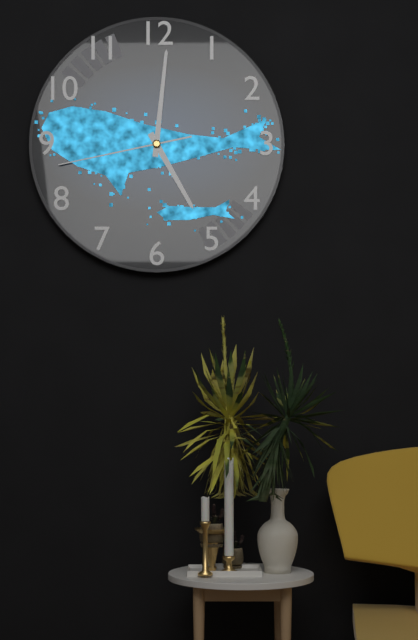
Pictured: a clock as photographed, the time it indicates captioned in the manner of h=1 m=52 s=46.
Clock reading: h=5 m=1 s=43
